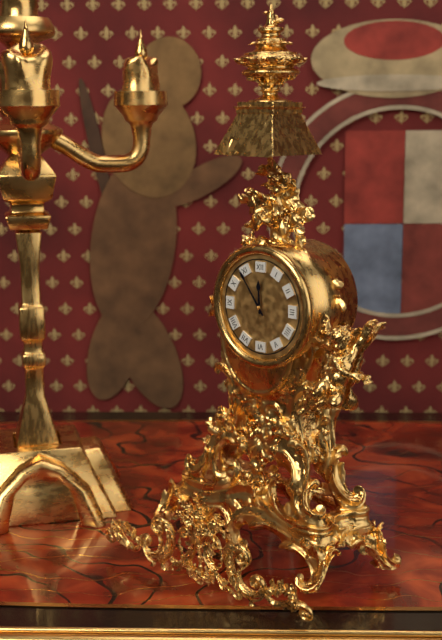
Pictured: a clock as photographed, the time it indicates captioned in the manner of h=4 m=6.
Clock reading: h=11 m=54
